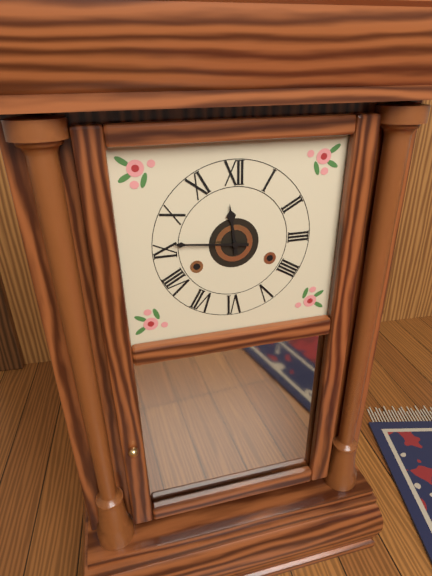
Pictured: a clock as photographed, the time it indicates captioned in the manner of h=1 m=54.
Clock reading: h=11 m=46
